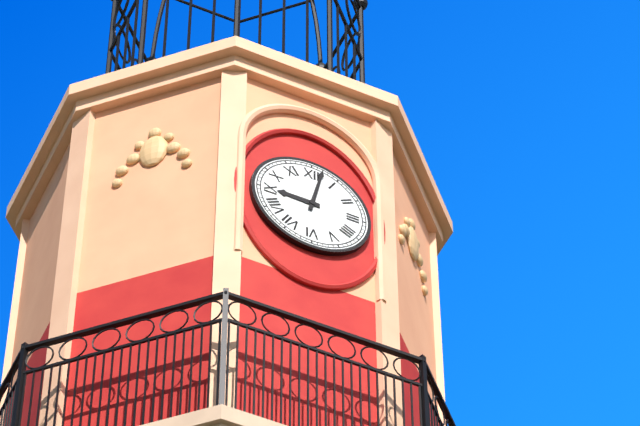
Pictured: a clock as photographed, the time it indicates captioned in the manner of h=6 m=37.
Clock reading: h=9 m=2
